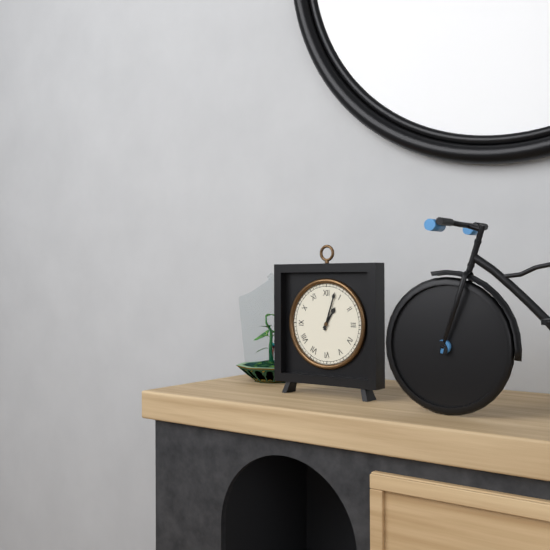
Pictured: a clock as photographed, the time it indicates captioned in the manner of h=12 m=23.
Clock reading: h=1 m=3
